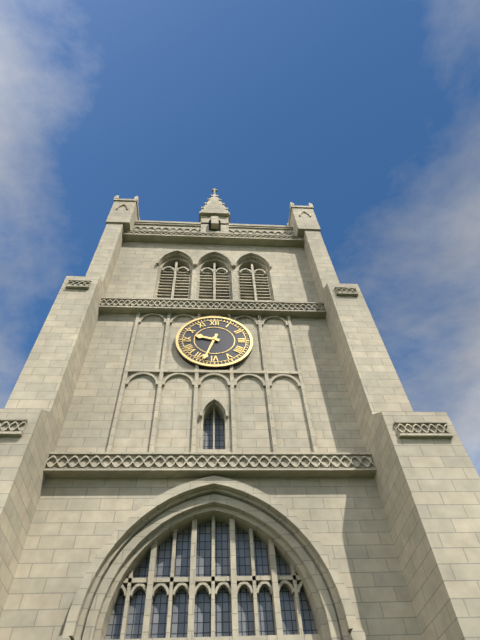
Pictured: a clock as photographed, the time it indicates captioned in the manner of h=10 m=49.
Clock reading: h=9 m=33
